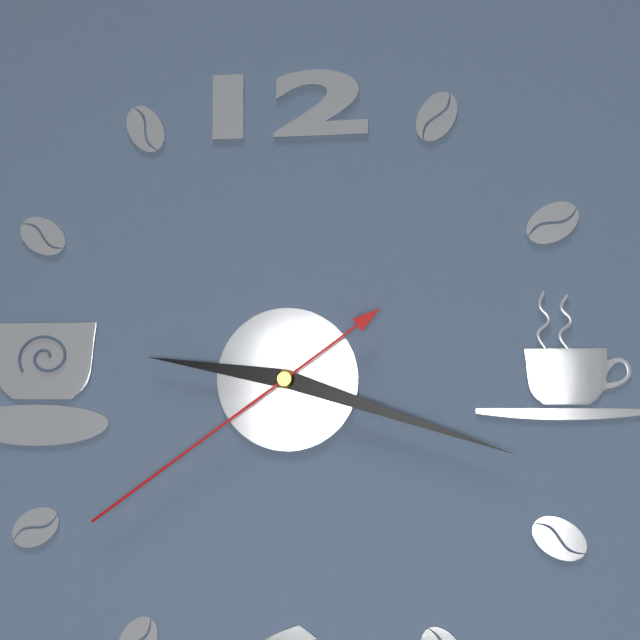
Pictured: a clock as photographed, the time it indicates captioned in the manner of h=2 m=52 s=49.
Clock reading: h=9 m=18 s=39
